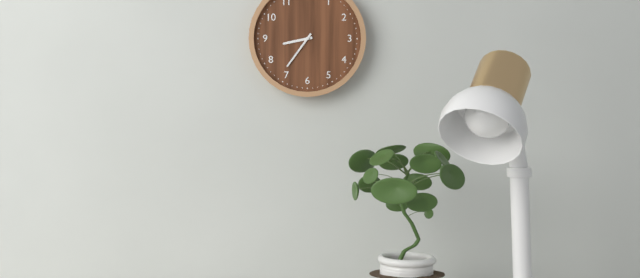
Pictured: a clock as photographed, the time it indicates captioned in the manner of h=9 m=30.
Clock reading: h=8 m=36
